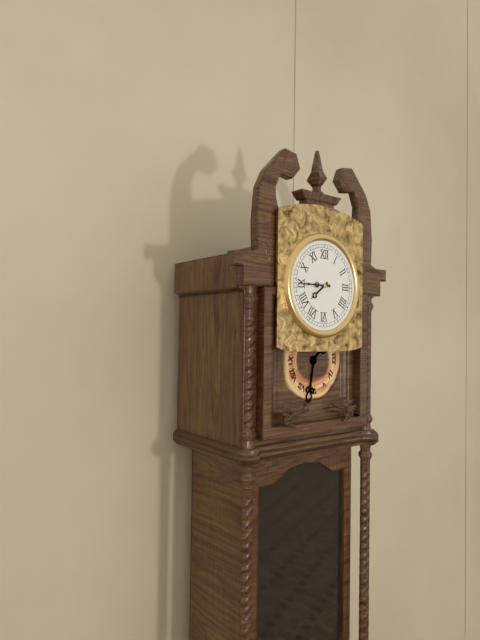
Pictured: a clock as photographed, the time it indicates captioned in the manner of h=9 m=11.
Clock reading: h=7 m=45
